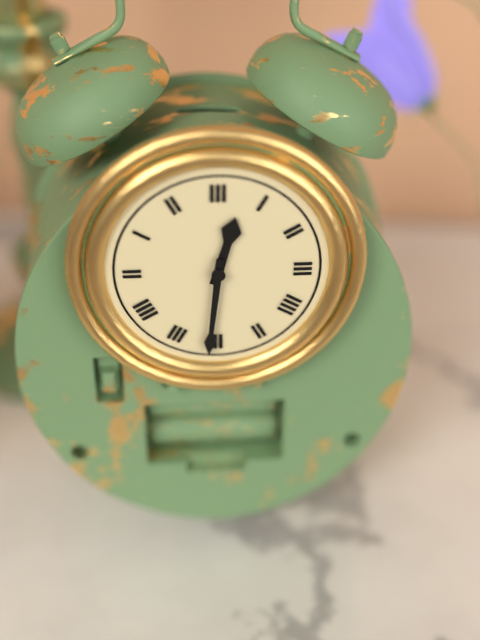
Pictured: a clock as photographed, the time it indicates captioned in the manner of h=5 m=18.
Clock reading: h=12 m=31
